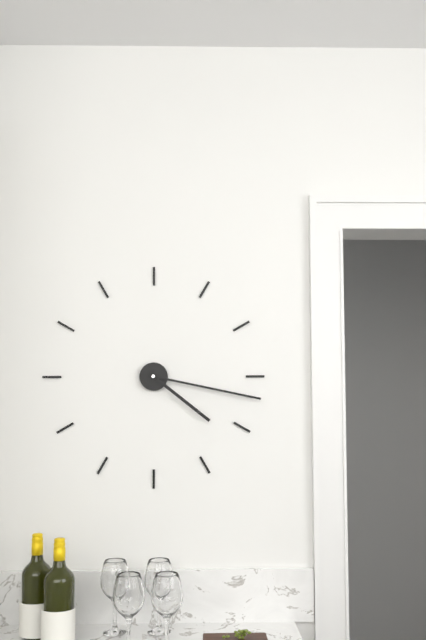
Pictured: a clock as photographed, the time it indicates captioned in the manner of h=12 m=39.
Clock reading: h=4 m=17
